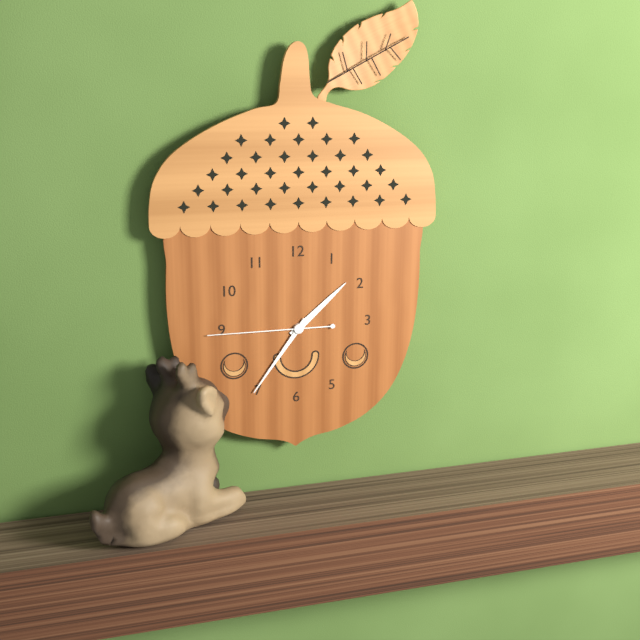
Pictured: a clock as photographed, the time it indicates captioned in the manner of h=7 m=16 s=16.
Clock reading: h=1 m=36 s=45
